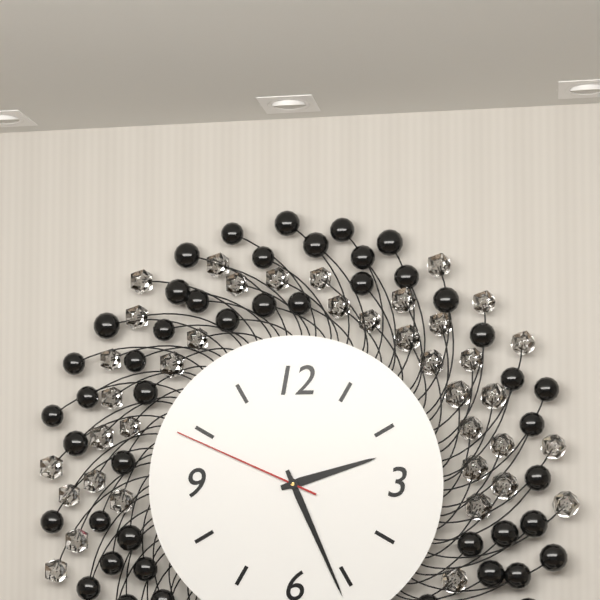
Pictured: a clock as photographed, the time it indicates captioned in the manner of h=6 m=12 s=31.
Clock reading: h=2 m=26 s=49
